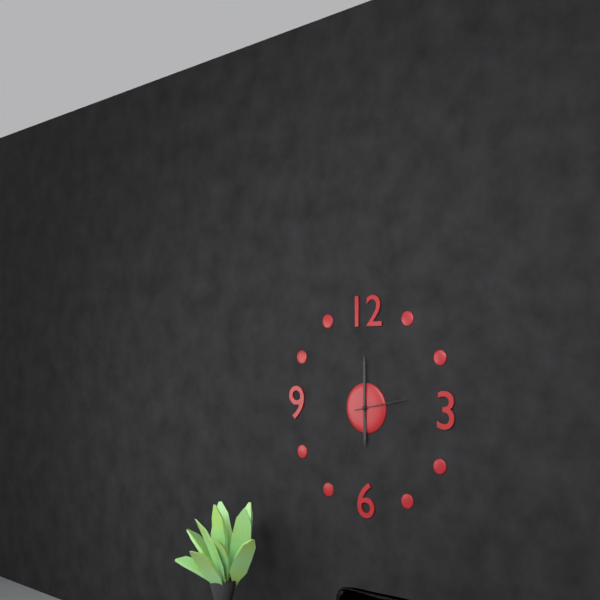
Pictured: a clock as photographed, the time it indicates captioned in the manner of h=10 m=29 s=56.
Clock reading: h=6 m=0 s=13
